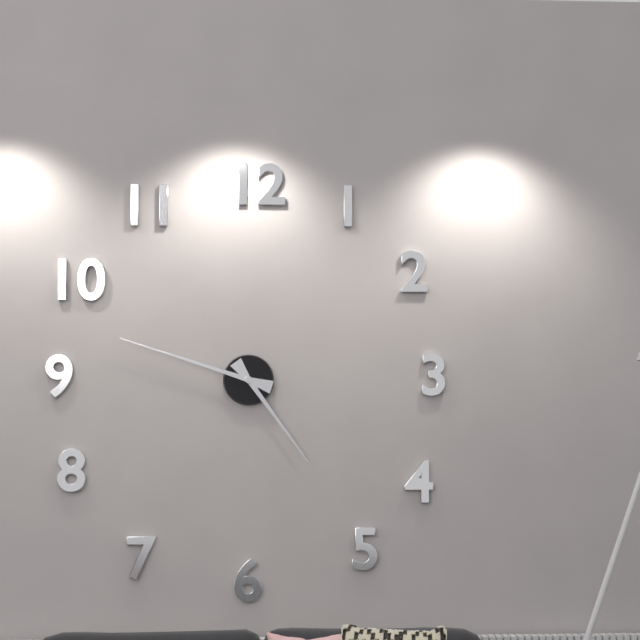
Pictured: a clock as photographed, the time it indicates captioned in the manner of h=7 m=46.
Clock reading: h=4 m=48
